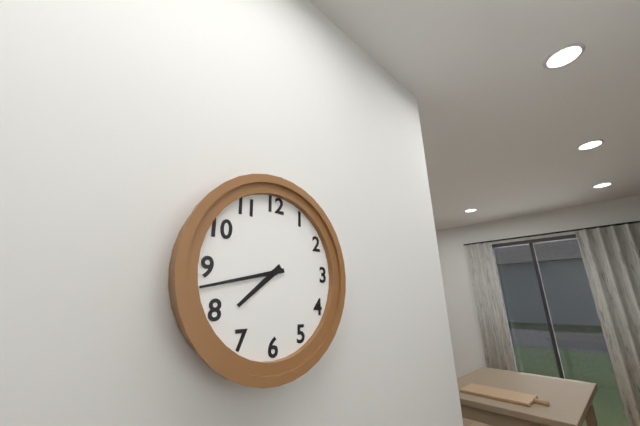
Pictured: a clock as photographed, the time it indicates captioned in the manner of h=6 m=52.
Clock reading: h=7 m=43
